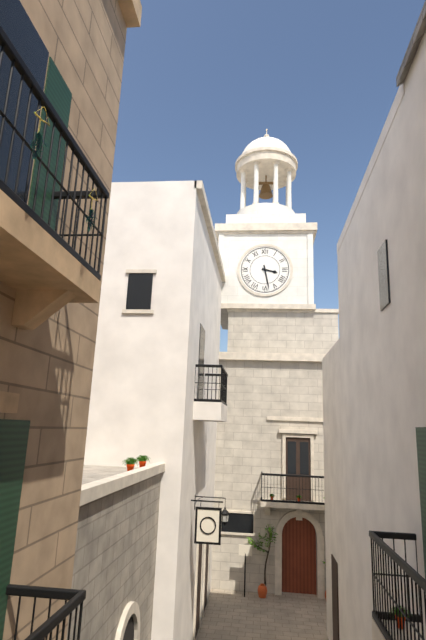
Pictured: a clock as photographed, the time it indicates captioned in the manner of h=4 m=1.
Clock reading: h=3 m=28
